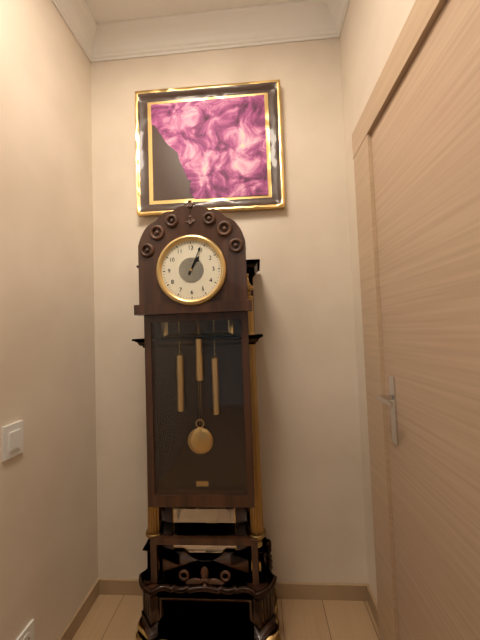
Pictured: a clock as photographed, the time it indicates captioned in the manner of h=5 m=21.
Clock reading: h=1 m=4
